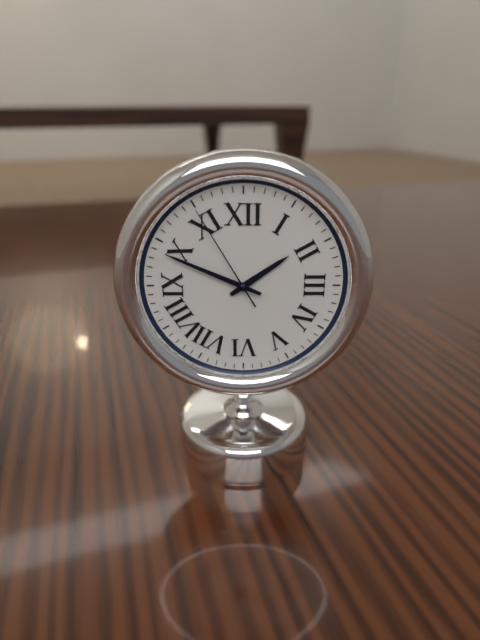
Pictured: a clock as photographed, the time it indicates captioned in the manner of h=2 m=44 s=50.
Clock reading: h=1 m=49 s=55
